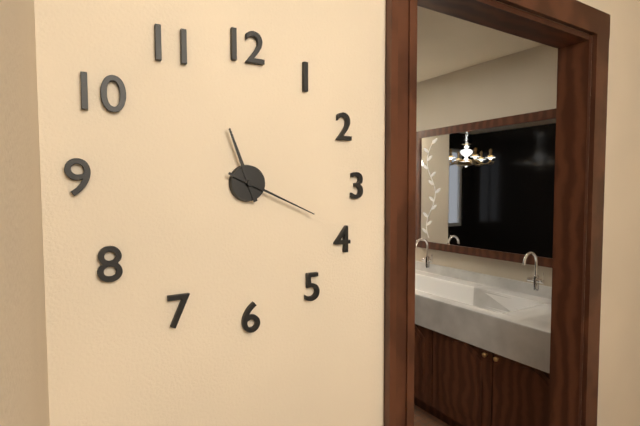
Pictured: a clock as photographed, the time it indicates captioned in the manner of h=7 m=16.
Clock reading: h=11 m=19
